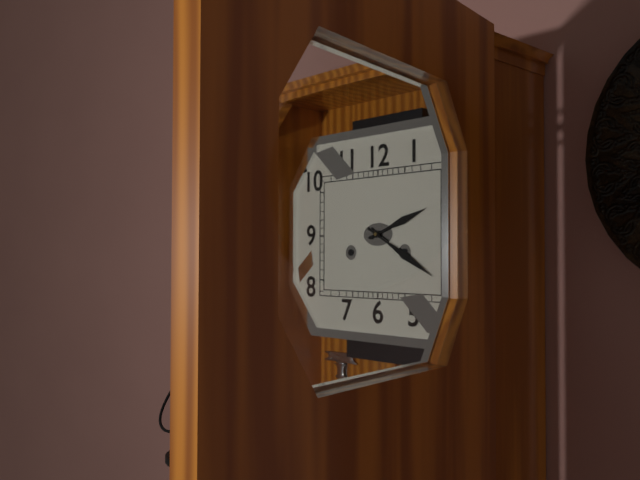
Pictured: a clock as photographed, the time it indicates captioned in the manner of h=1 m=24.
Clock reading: h=2 m=20
